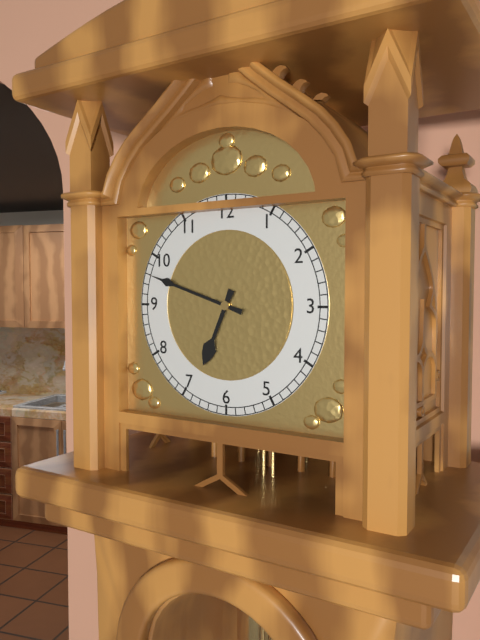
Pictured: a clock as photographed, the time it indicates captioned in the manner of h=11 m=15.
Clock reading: h=6 m=48
